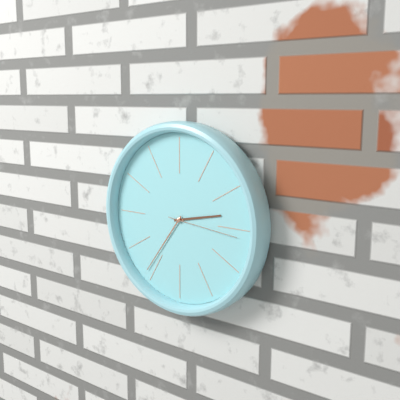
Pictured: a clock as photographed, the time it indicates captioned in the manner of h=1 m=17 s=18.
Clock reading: h=2 m=36 s=16
